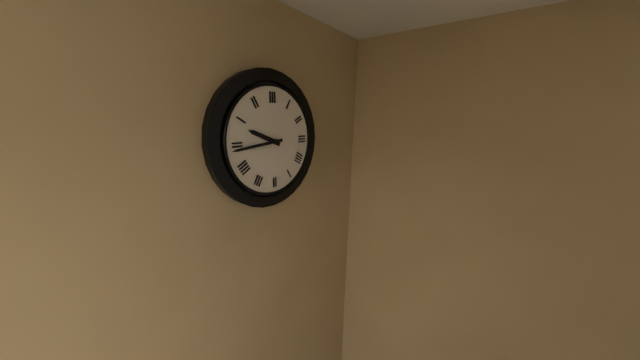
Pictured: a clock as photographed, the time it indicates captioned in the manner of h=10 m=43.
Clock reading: h=9 m=44
